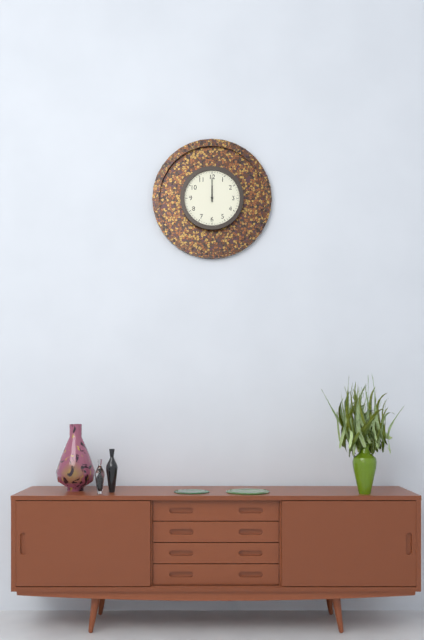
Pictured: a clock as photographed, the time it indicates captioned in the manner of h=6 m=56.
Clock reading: h=12 m=0
